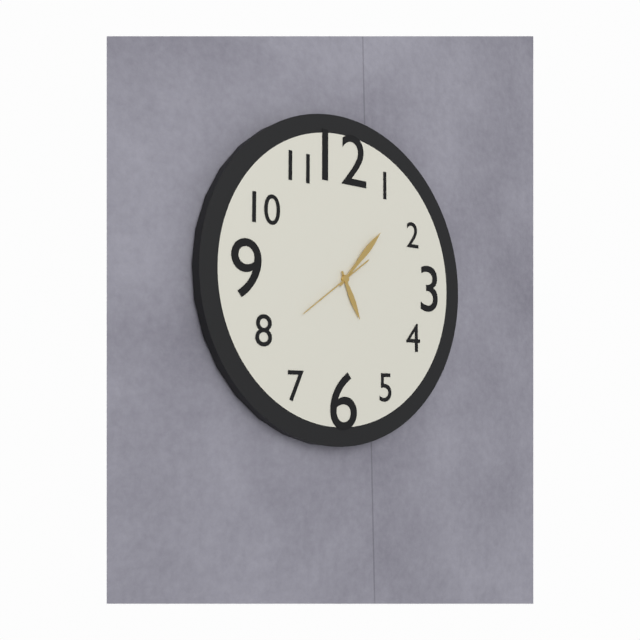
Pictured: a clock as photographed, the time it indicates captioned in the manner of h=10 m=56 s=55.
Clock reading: h=5 m=7 s=39
